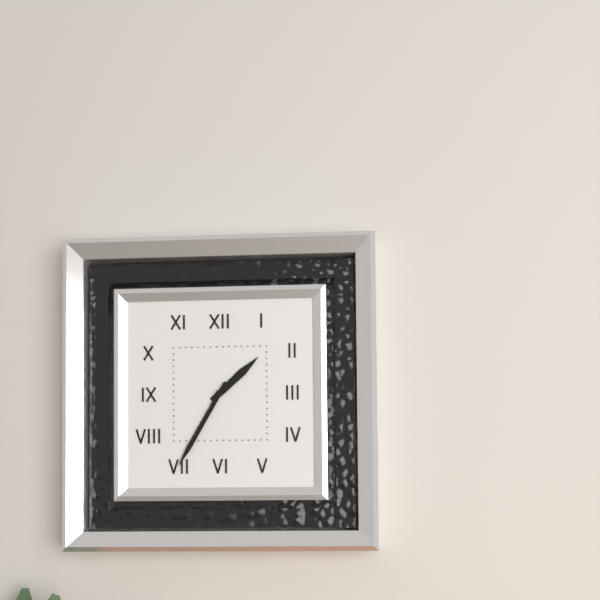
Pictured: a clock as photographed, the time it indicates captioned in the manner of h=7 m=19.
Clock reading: h=1 m=35
